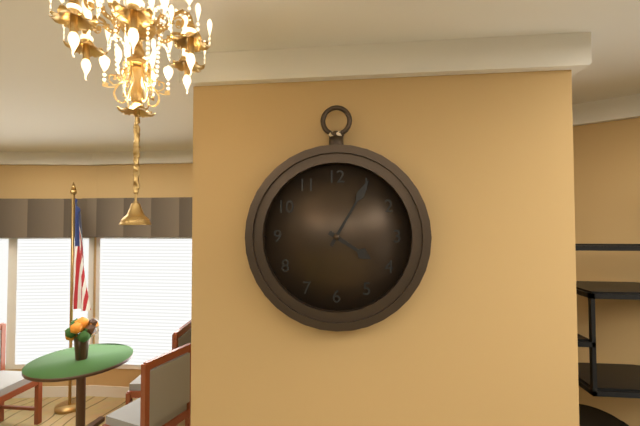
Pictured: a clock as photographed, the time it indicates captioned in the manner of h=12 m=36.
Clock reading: h=4 m=5
